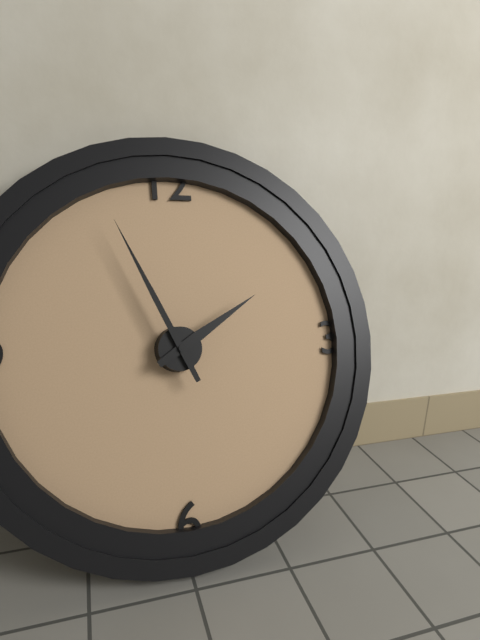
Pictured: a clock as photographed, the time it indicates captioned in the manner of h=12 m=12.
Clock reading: h=1 m=56
